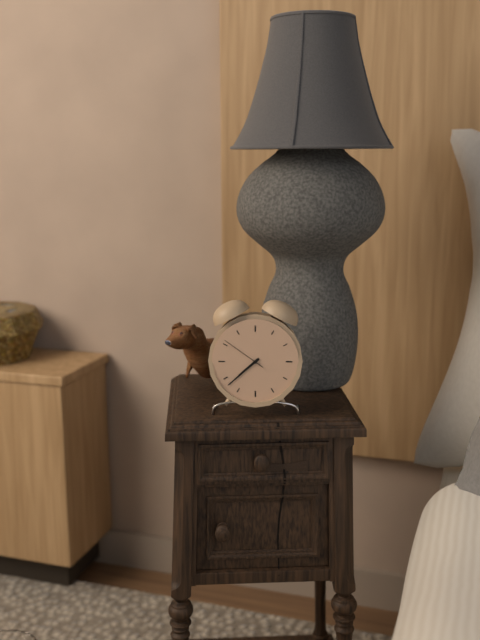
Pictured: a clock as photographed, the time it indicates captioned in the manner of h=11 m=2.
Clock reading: h=7 m=38
